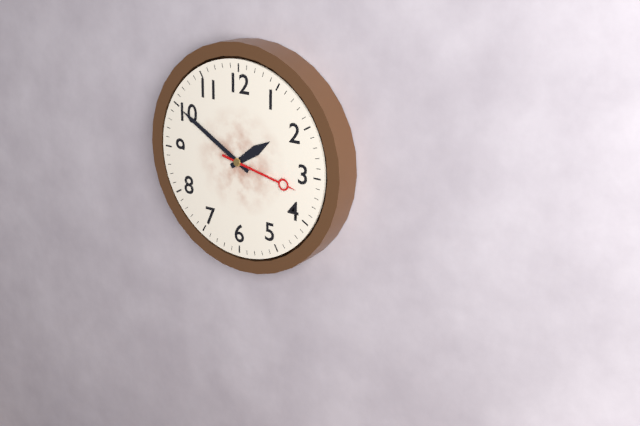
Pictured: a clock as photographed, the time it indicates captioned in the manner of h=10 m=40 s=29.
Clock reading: h=1 m=50 s=17
